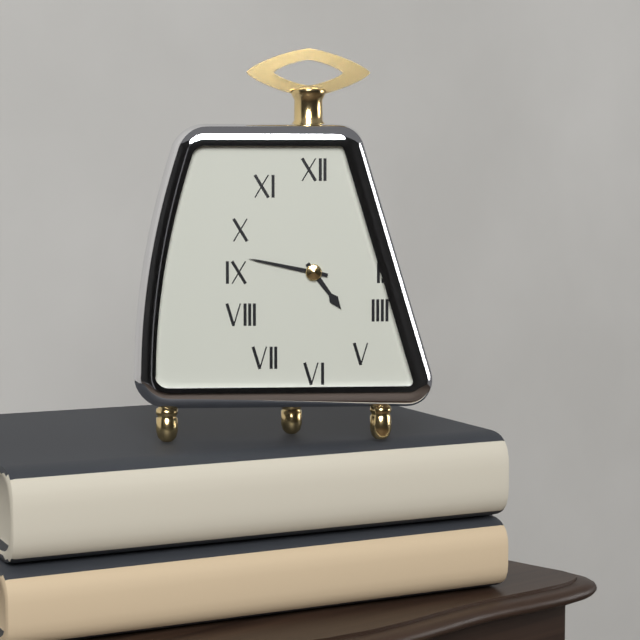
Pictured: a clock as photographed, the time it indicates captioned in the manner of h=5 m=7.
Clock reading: h=4 m=47
